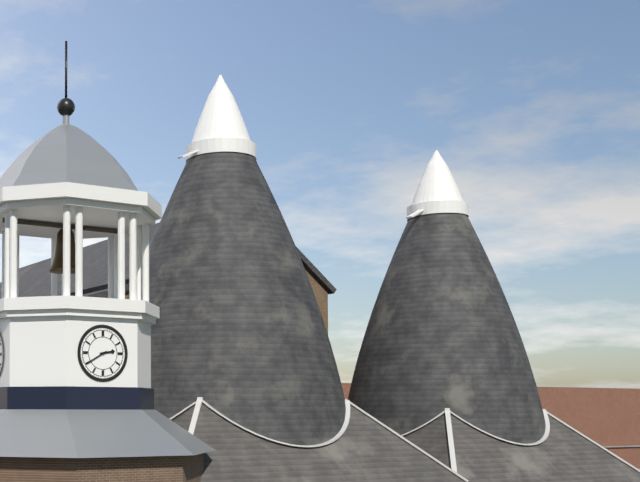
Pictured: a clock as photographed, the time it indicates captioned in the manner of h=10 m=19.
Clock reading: h=2 m=40
